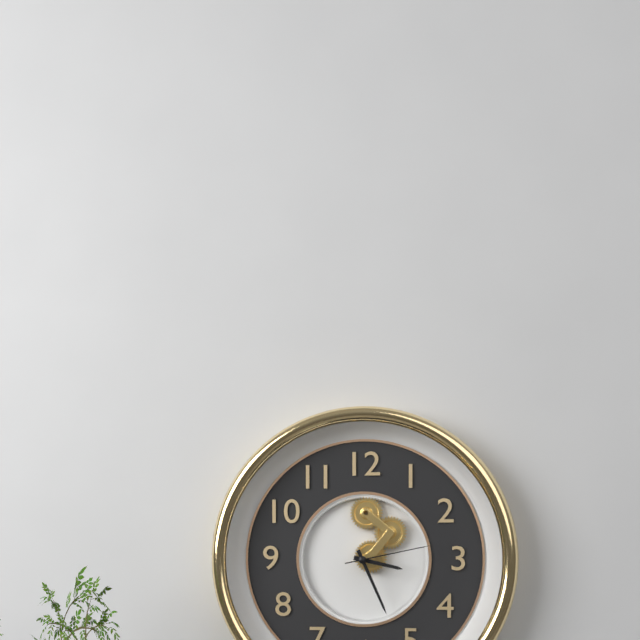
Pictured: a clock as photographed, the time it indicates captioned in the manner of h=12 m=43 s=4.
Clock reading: h=3 m=26 s=13
